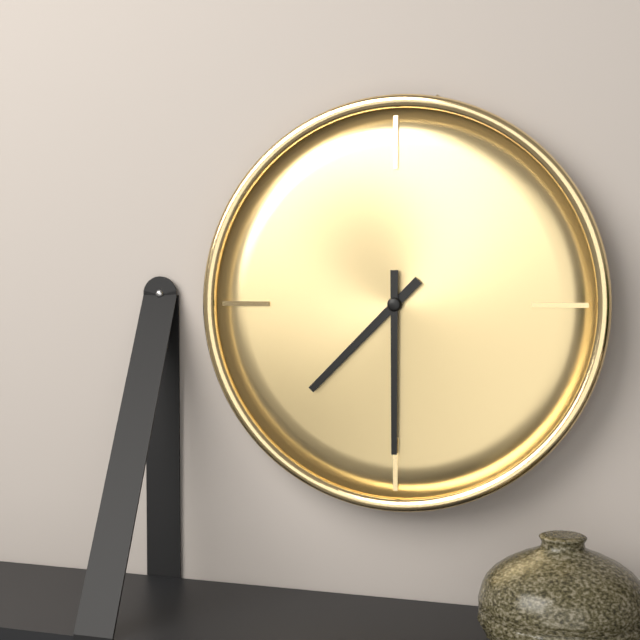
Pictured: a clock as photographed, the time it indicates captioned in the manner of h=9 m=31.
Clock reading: h=7 m=30
